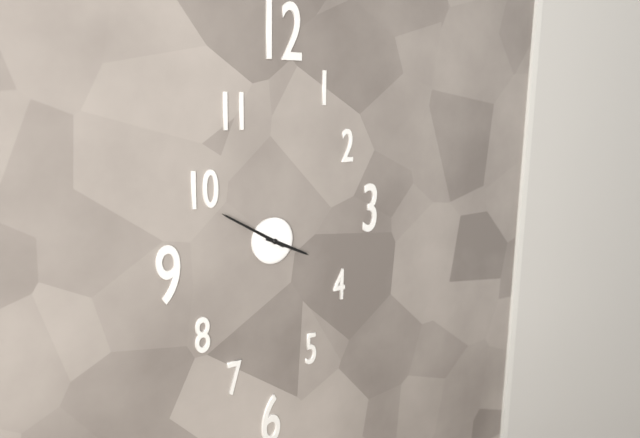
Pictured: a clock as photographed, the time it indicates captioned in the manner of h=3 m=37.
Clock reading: h=3 m=50
